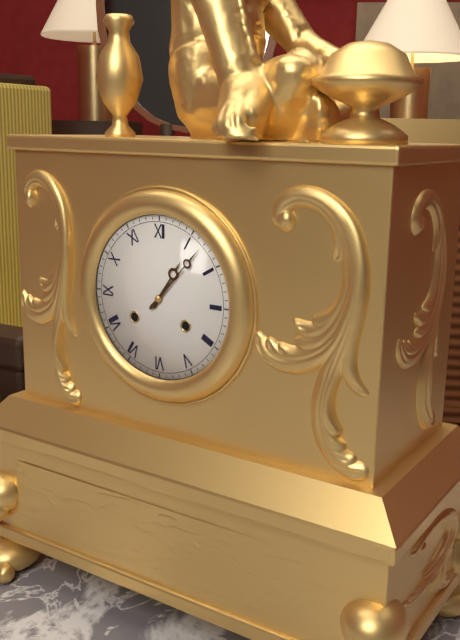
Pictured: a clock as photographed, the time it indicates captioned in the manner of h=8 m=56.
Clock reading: h=1 m=7
